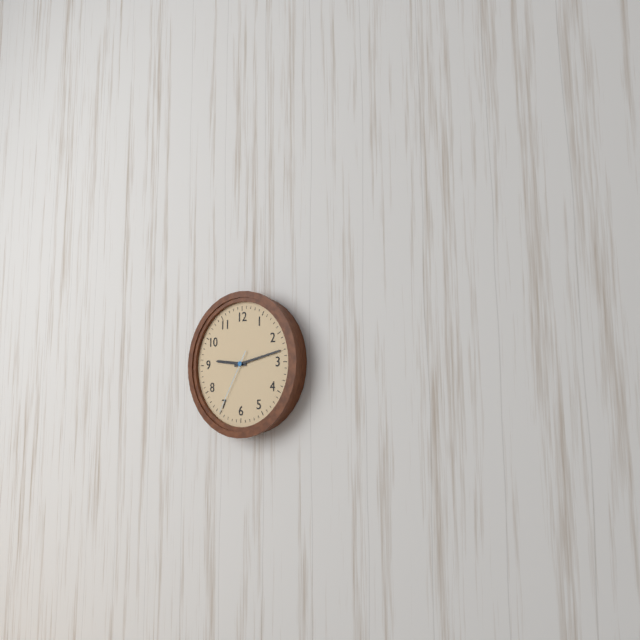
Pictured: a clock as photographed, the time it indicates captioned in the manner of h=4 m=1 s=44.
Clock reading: h=9 m=13 s=35
